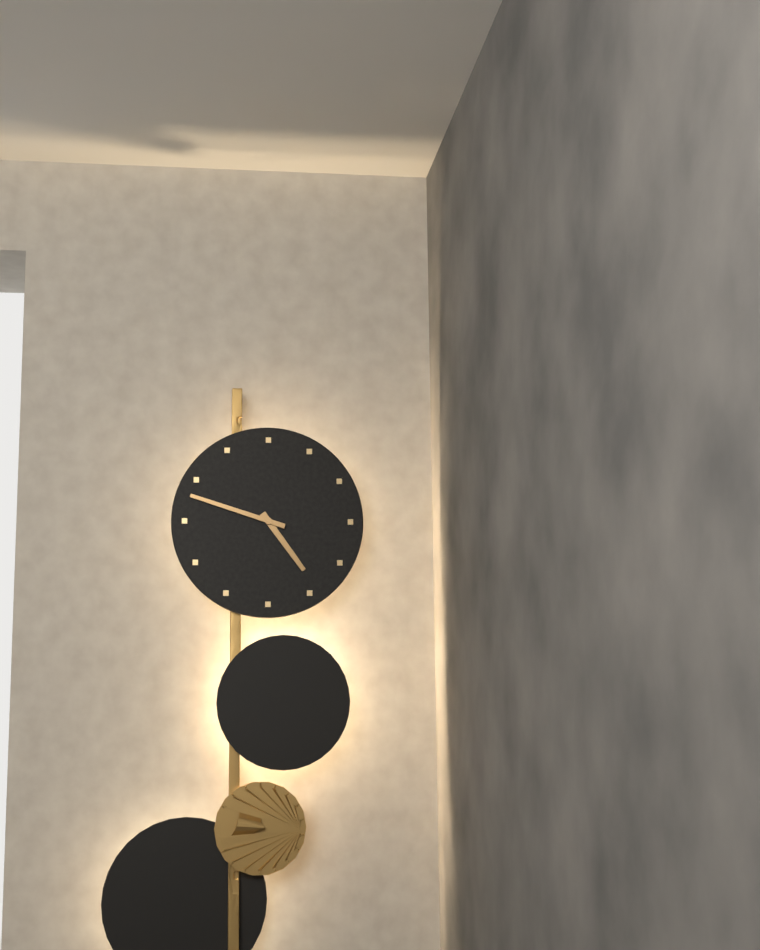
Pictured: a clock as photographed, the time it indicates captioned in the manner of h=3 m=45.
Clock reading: h=4 m=48
